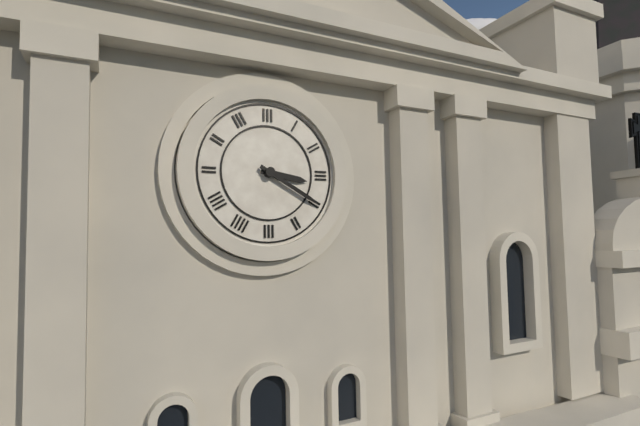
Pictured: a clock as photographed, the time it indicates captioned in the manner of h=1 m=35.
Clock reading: h=3 m=20
